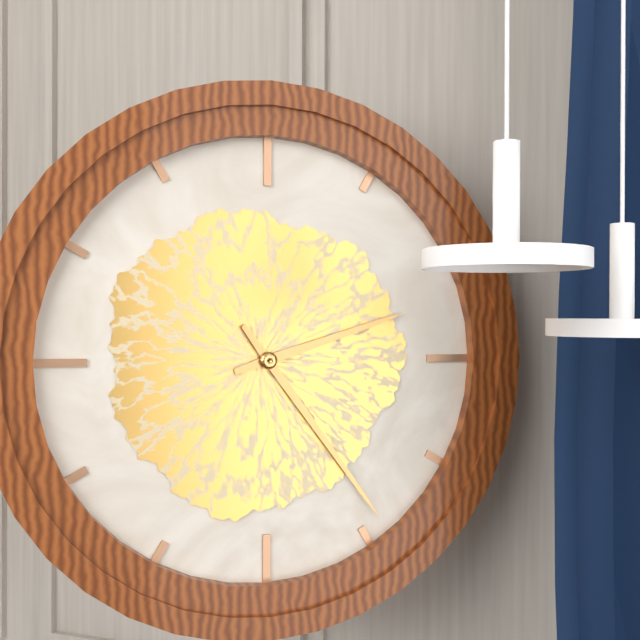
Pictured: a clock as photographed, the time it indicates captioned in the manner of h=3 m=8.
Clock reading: h=2 m=24
